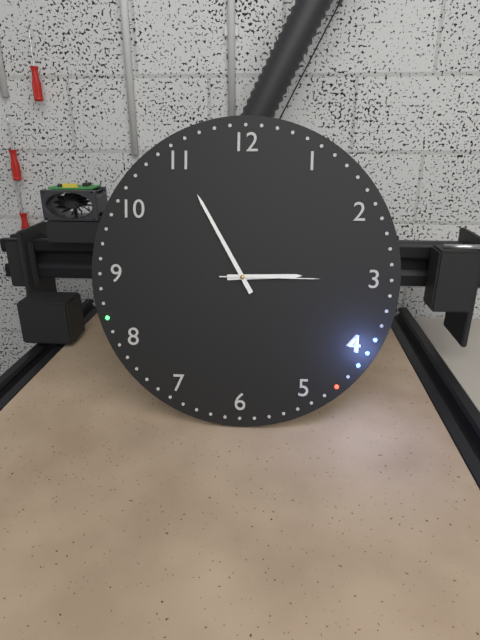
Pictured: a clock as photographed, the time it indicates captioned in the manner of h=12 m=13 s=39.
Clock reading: h=2 m=55 s=15
